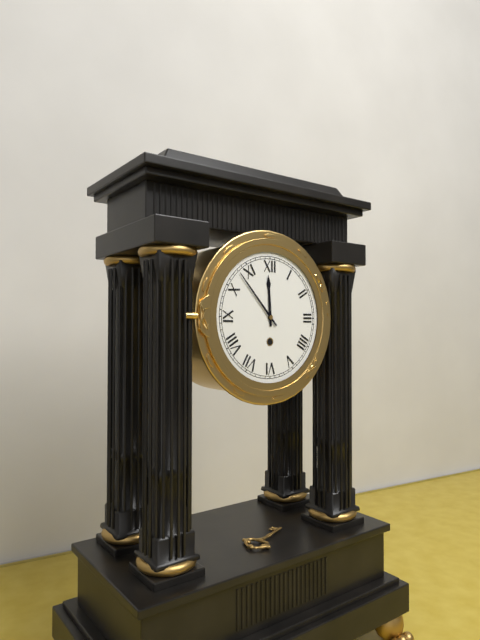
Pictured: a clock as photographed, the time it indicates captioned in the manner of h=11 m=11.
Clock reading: h=11 m=53
